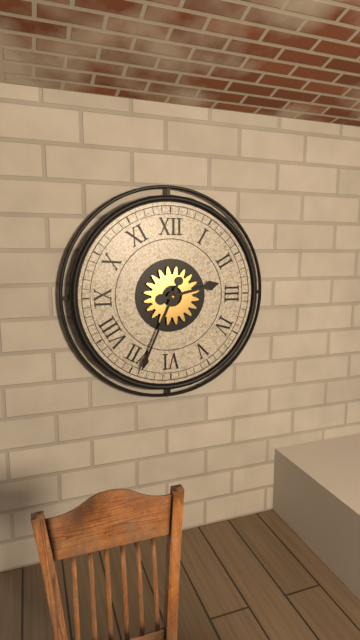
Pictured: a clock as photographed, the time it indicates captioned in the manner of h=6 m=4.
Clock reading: h=2 m=34
